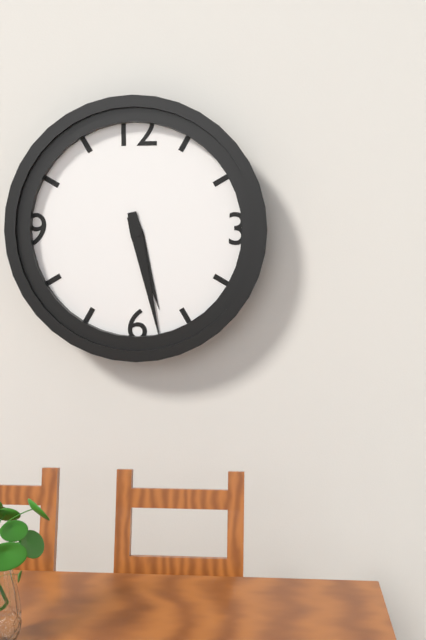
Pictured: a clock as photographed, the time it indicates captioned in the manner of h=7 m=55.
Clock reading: h=5 m=28
